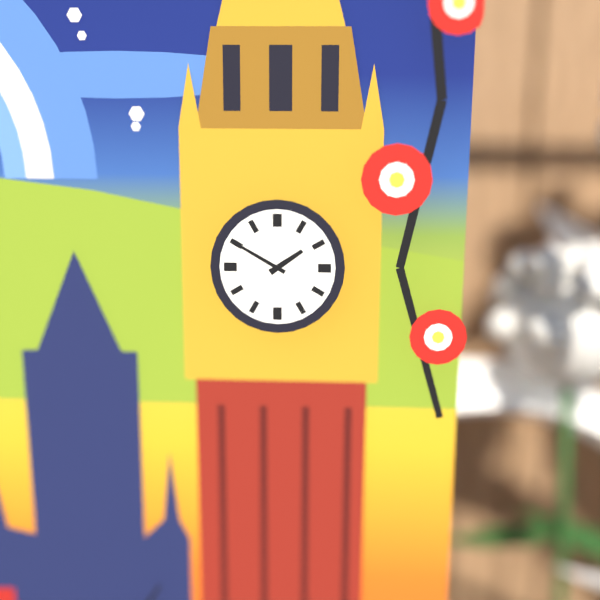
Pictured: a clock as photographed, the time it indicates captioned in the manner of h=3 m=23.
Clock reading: h=1 m=50
